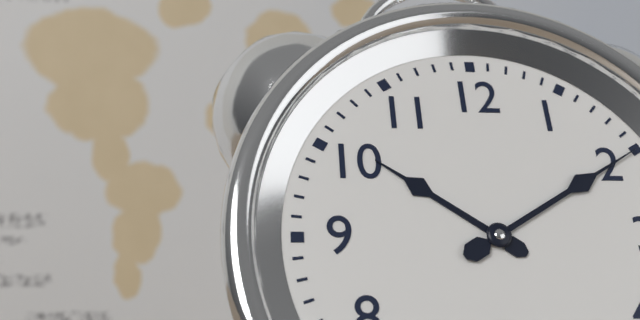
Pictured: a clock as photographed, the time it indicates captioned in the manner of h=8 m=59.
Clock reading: h=10 m=10
